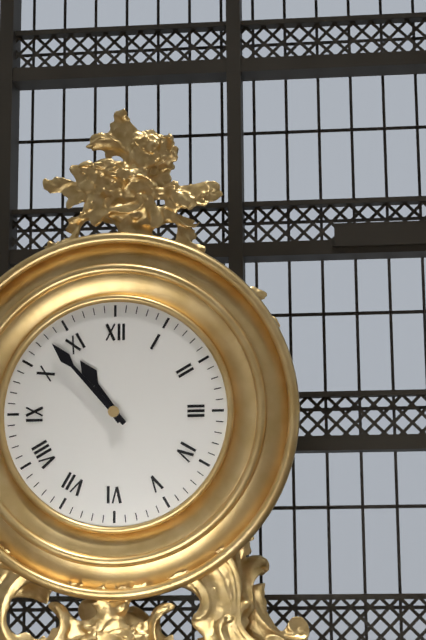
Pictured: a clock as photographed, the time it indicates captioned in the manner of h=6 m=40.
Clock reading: h=10 m=53
